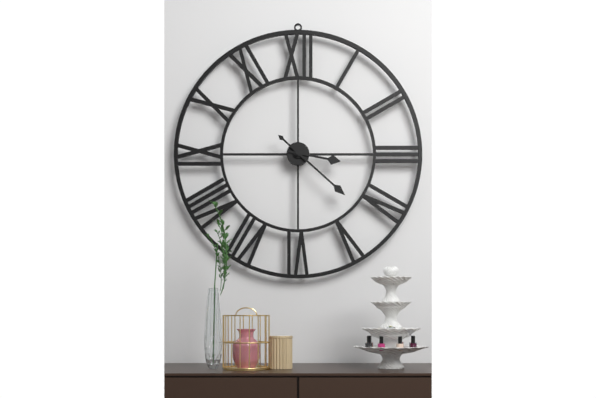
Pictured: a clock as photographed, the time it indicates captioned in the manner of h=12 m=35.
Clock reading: h=3 m=22
